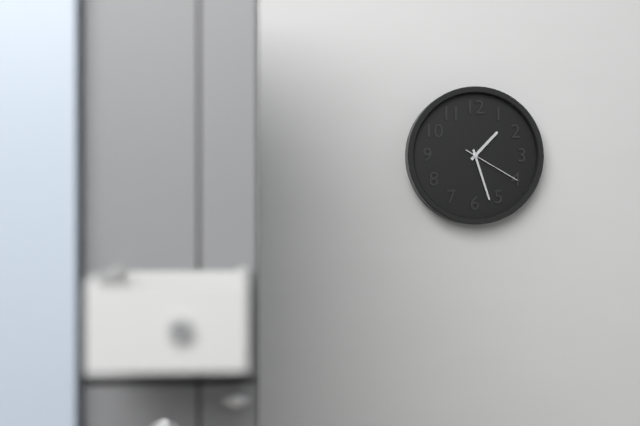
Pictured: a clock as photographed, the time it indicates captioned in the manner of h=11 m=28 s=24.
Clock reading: h=1 m=27 s=20
